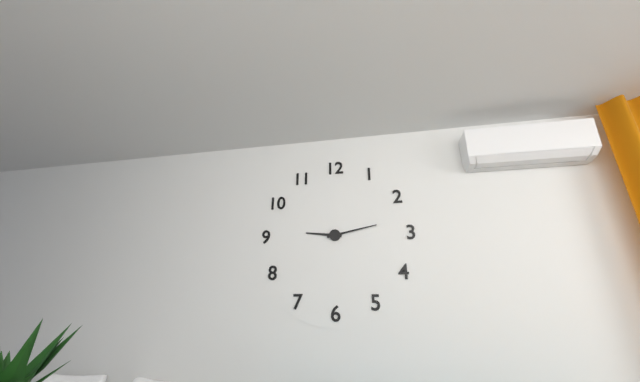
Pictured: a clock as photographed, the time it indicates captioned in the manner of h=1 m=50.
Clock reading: h=9 m=13
